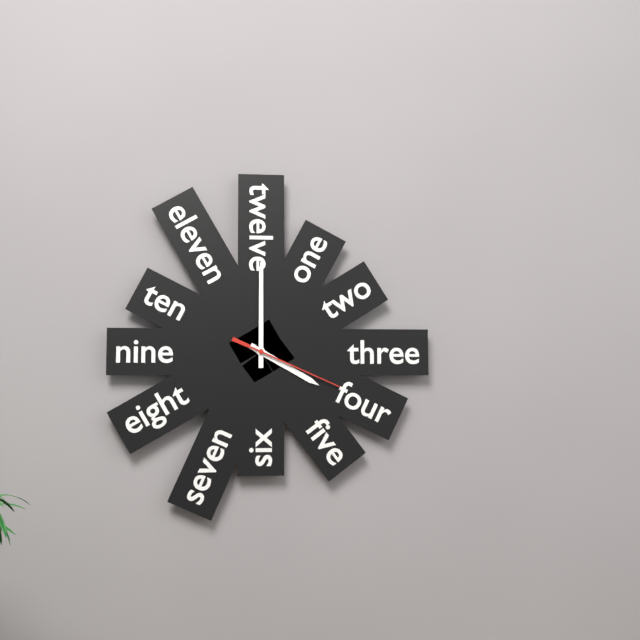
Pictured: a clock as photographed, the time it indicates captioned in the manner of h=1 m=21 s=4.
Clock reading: h=4 m=0 s=19
